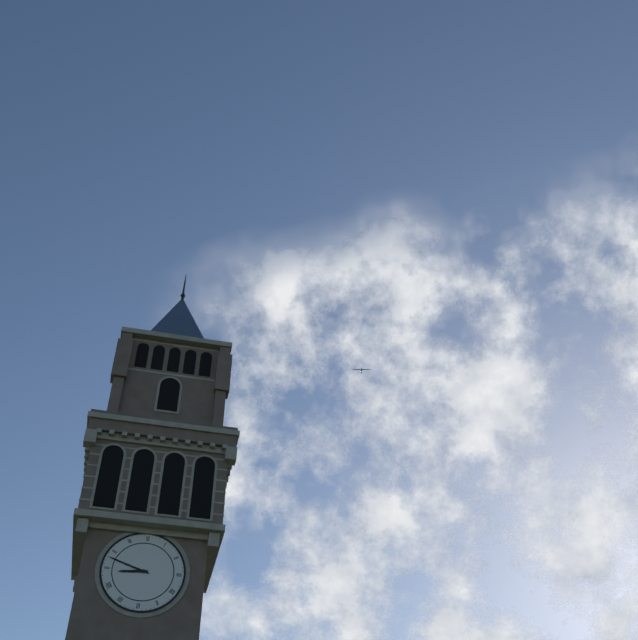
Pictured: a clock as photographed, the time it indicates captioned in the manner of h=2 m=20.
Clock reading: h=8 m=48
